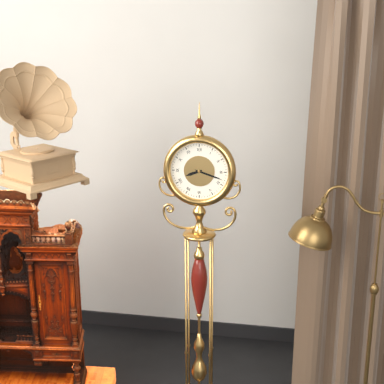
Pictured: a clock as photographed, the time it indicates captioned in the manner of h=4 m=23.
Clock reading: h=8 m=18
